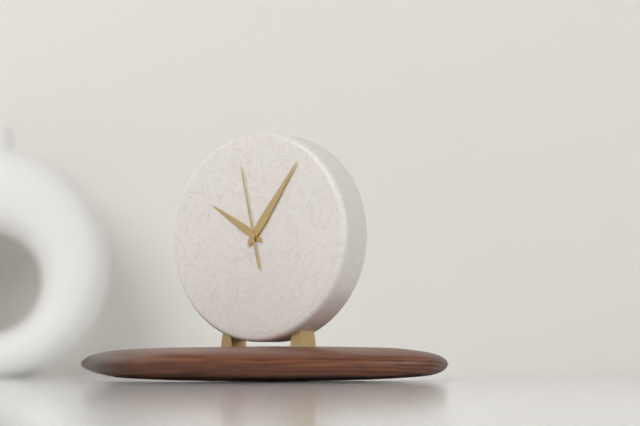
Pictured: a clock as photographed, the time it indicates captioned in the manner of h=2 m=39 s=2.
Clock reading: h=10 m=6 s=58
